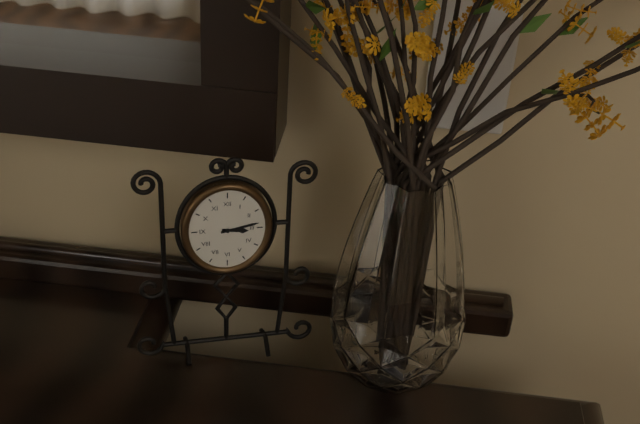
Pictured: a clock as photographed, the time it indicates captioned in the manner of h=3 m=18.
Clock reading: h=3 m=13
